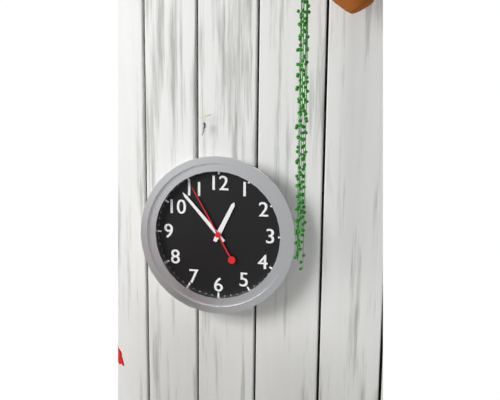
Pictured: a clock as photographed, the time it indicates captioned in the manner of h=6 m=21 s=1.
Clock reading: h=12 m=53 s=55
